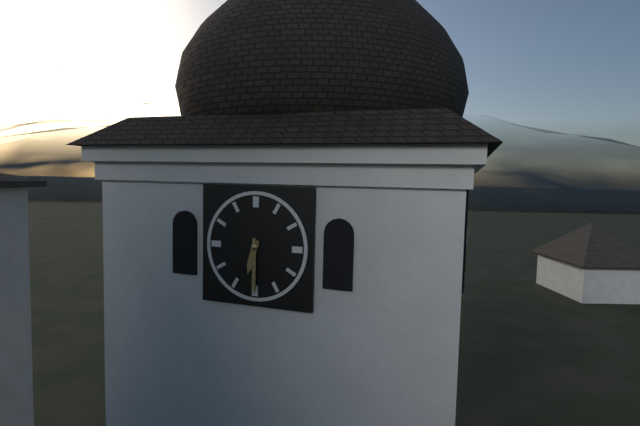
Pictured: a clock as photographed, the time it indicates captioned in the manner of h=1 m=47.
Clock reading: h=6 m=30
